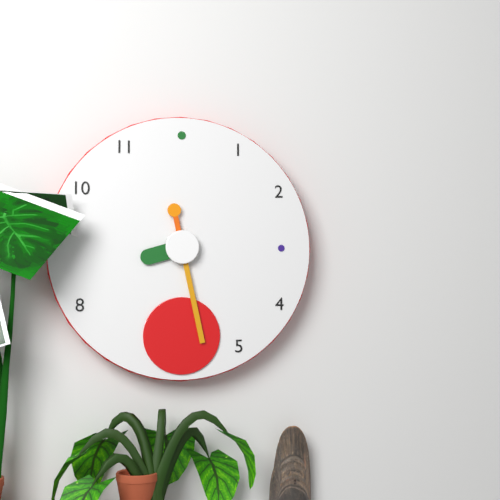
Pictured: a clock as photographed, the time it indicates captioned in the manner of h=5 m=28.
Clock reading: h=8 m=28
